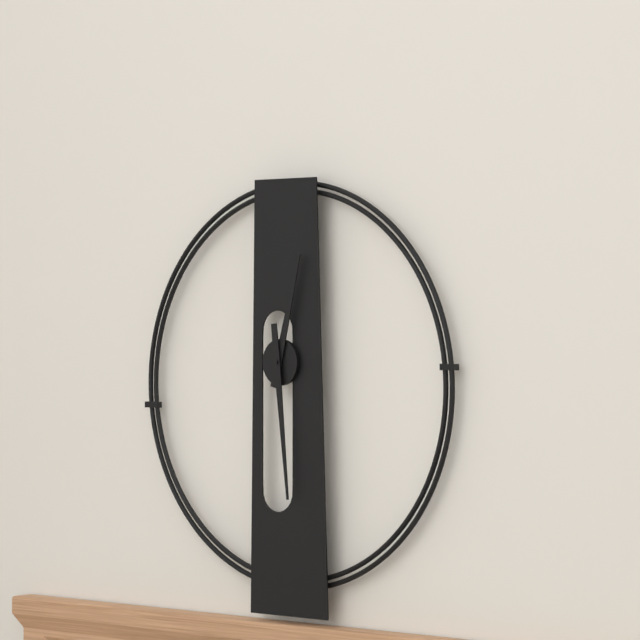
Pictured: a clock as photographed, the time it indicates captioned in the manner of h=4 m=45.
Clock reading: h=12 m=29
